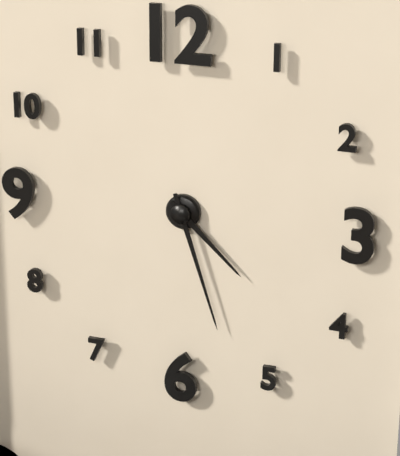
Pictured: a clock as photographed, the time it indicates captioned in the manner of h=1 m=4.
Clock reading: h=4 m=27
